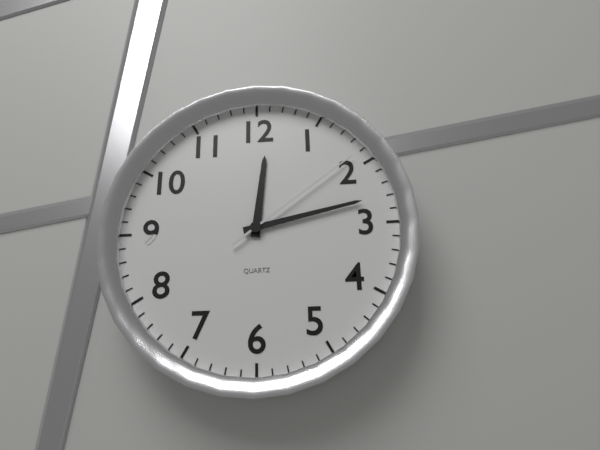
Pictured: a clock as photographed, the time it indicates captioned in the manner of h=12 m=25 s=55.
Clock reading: h=12 m=13 s=9
